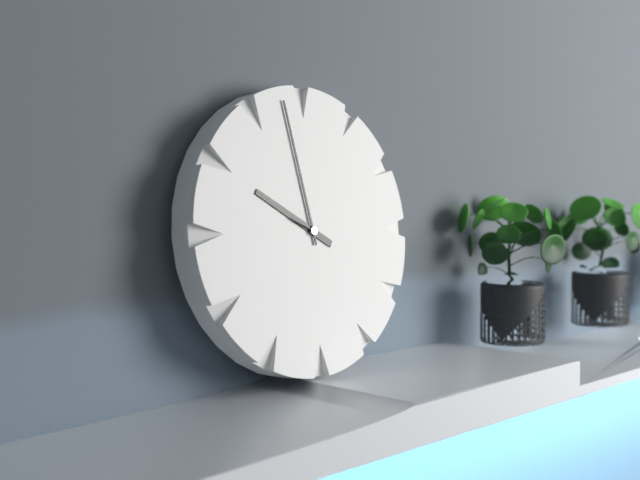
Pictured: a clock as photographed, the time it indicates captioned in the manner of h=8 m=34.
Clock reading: h=9 m=58
